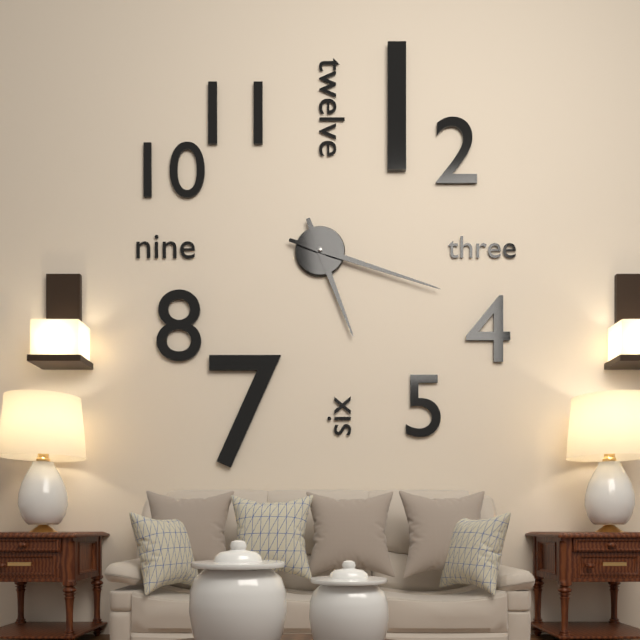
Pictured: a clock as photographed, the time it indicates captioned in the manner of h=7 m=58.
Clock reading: h=5 m=18
